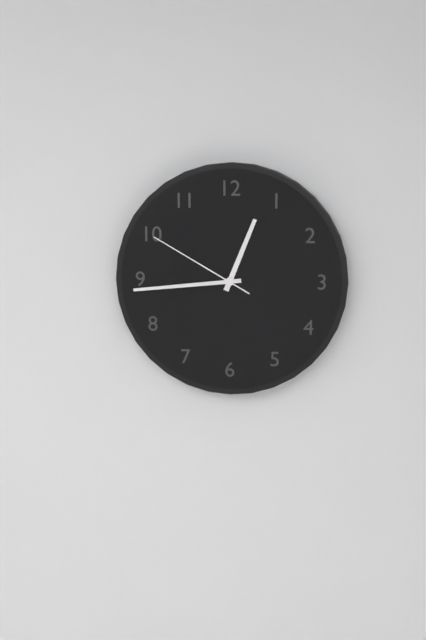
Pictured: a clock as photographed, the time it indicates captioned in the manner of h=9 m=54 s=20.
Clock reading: h=12 m=44 s=50
